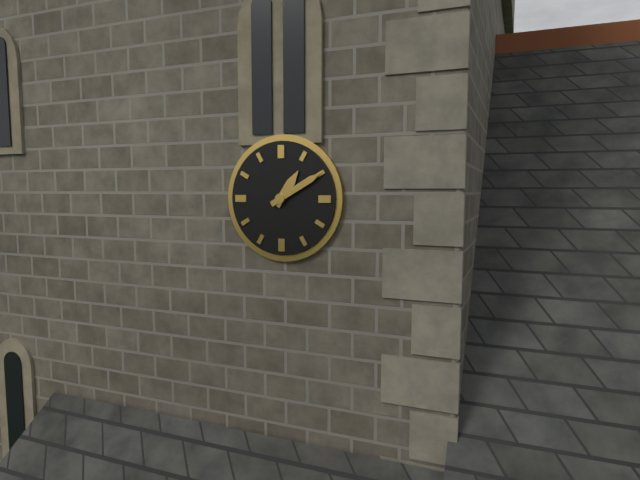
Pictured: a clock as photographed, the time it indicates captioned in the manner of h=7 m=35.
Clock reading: h=1 m=10
